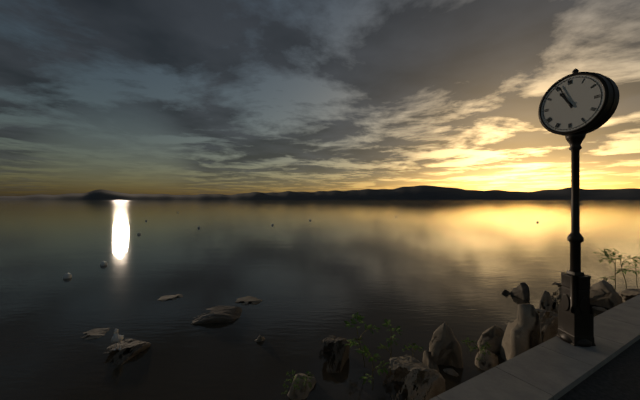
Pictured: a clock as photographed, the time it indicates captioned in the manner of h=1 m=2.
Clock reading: h=10 m=56
